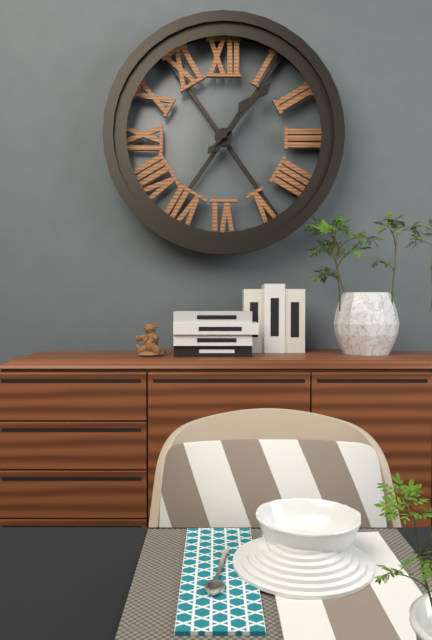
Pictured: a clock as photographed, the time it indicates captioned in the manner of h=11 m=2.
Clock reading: h=1 m=7
